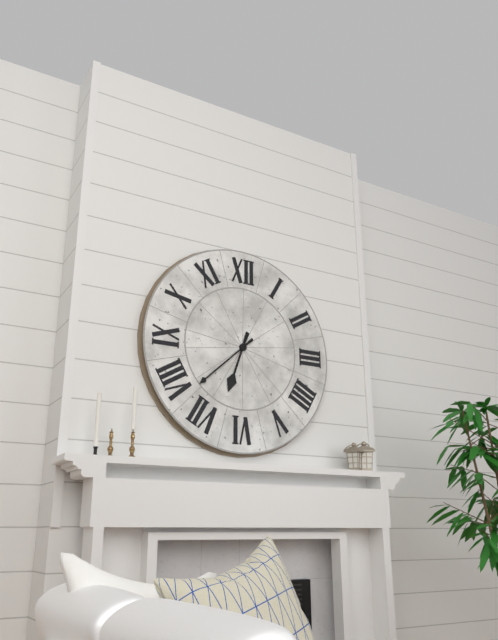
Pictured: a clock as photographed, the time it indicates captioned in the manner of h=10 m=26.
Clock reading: h=6 m=38
